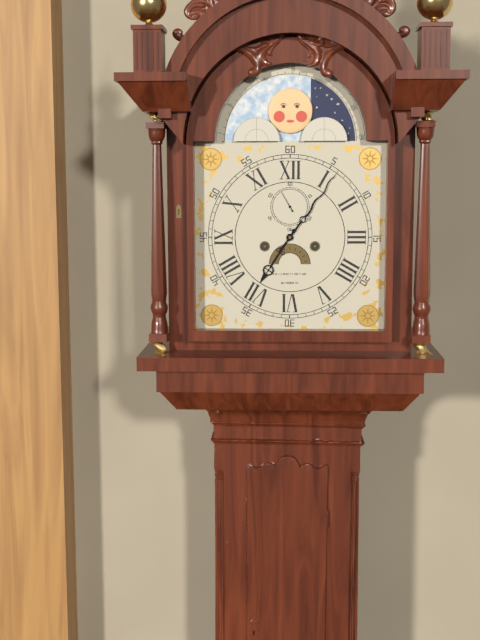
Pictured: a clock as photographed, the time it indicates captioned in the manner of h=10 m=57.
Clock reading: h=7 m=6
